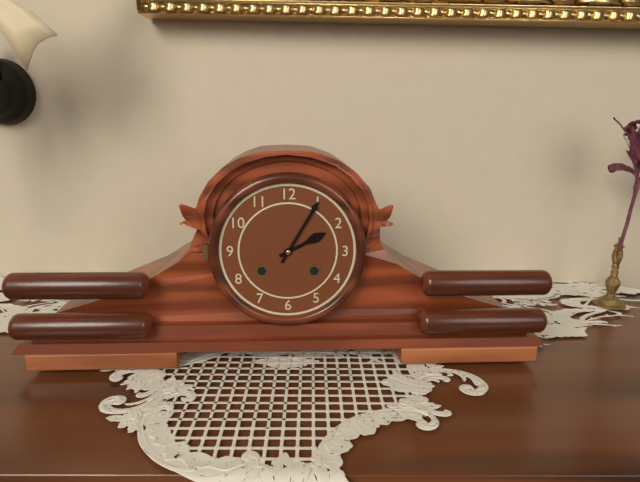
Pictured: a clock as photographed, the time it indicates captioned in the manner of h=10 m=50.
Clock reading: h=2 m=5
